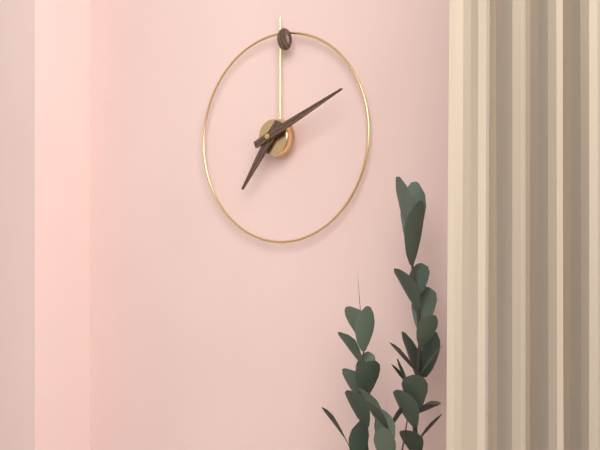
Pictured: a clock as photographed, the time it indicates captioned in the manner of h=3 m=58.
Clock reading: h=7 m=11
